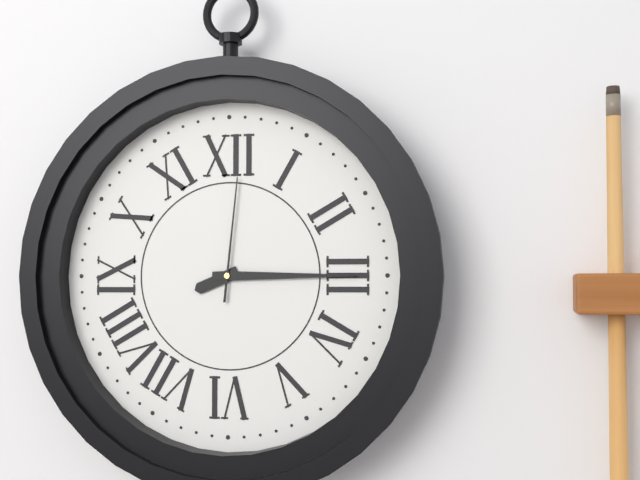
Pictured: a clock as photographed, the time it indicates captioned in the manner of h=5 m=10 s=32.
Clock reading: h=8 m=15 s=1
